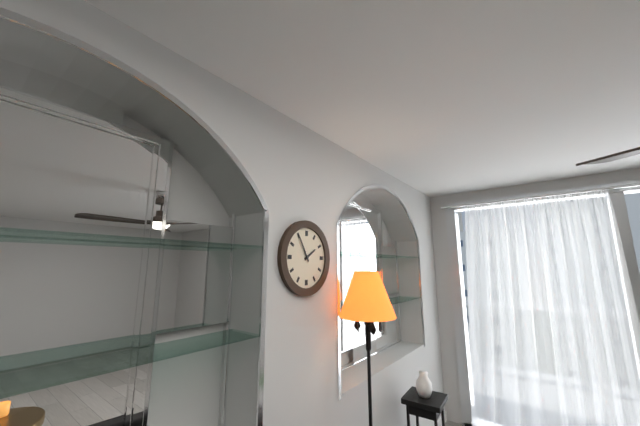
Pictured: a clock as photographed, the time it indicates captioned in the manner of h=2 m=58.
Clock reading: h=1 m=55
